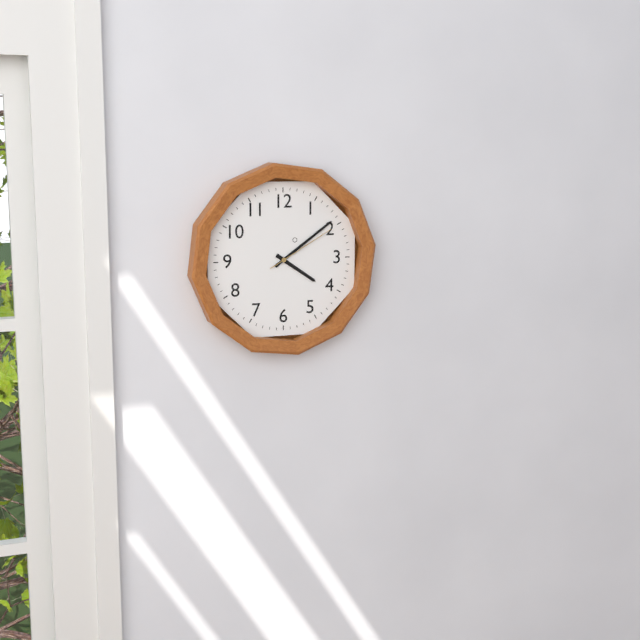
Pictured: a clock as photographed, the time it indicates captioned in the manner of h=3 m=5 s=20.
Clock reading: h=4 m=9 s=10
